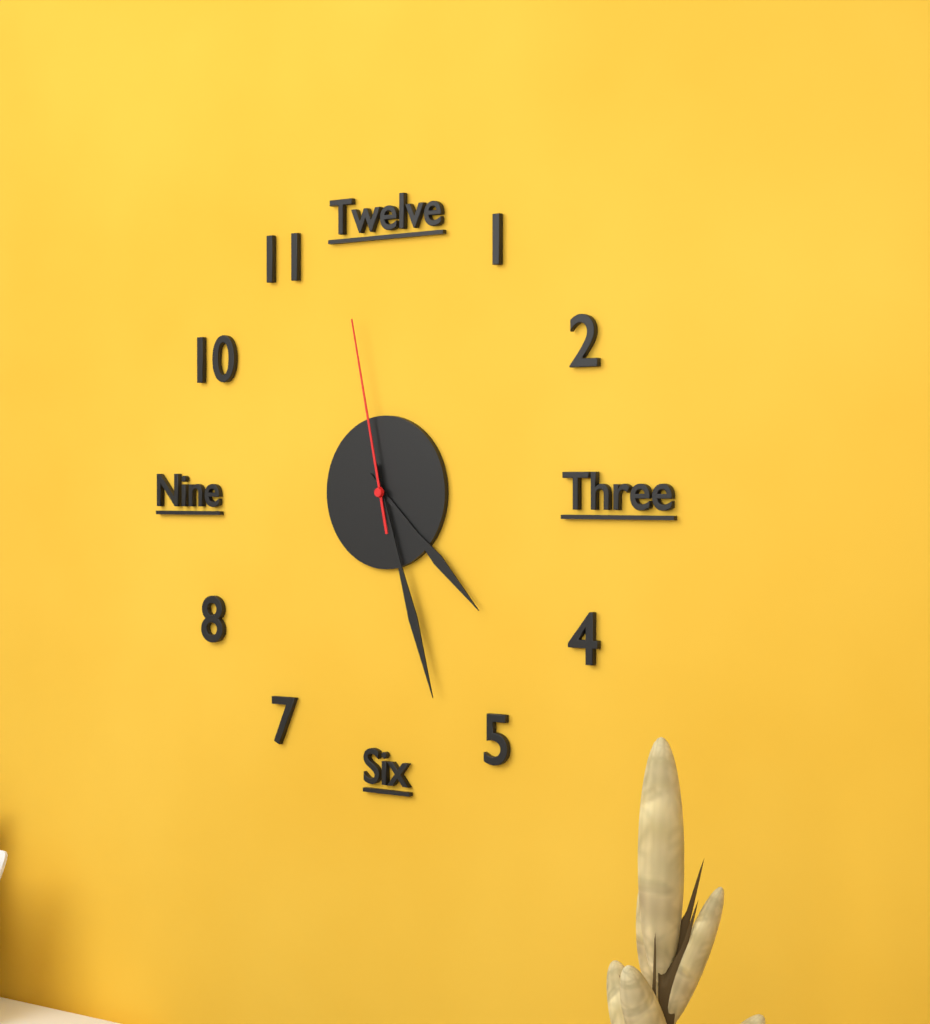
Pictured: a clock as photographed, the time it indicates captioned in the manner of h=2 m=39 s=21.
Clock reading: h=4 m=27 s=58
